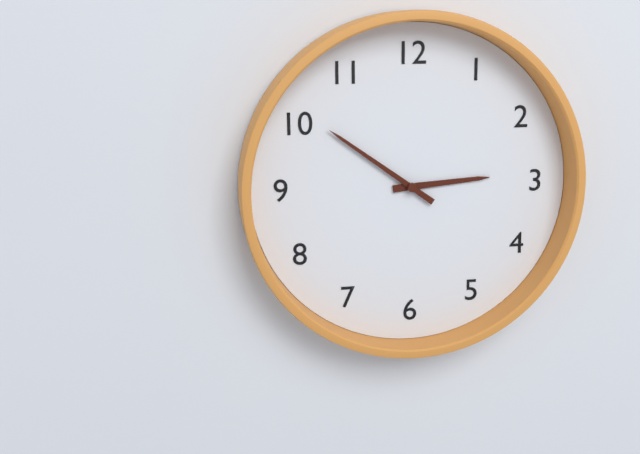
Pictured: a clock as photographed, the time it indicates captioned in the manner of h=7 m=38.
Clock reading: h=2 m=51
